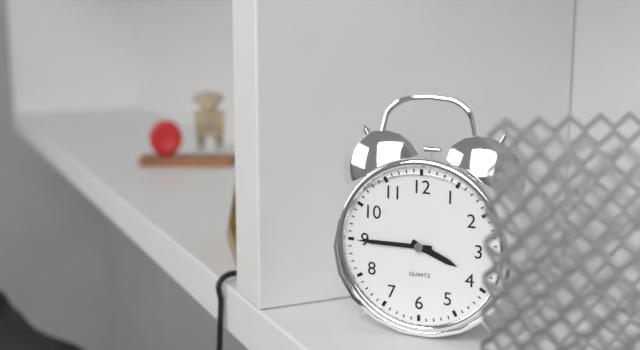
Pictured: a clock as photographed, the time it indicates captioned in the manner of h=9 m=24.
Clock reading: h=3 m=45
